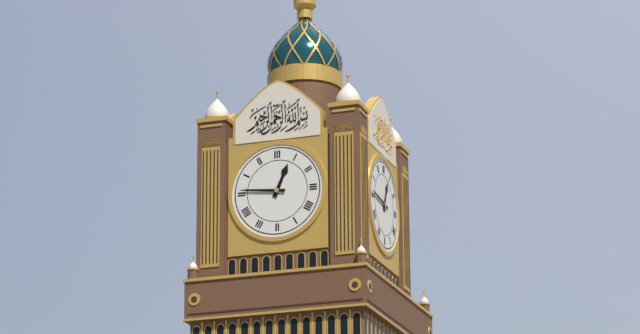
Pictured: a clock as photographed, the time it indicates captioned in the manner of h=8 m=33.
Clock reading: h=12 m=46
